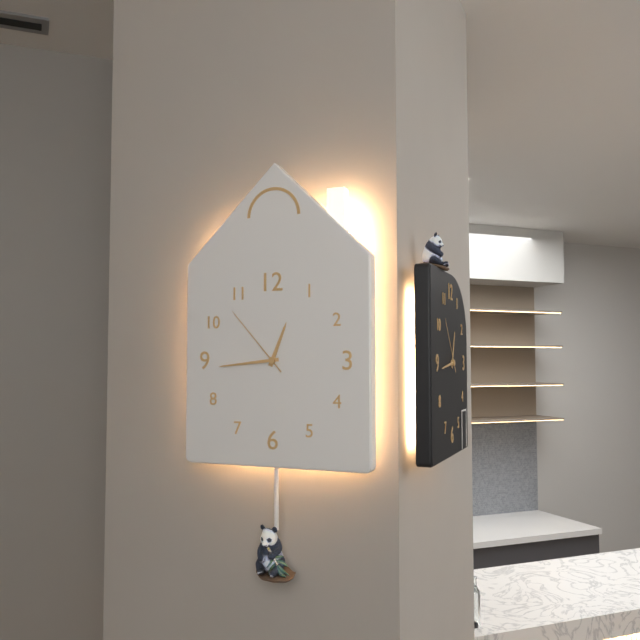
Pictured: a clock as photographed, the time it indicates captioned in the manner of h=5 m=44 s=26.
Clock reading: h=12 m=44 s=53
